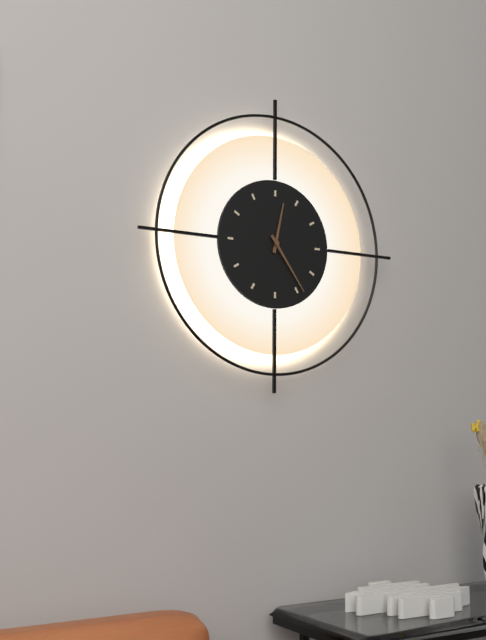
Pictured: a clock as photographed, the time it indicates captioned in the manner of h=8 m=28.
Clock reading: h=12 m=24
